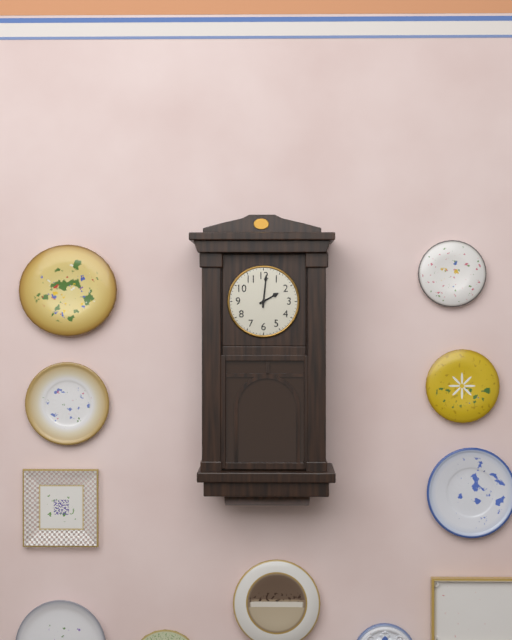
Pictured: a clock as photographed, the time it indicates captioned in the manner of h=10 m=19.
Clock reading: h=2 m=1
